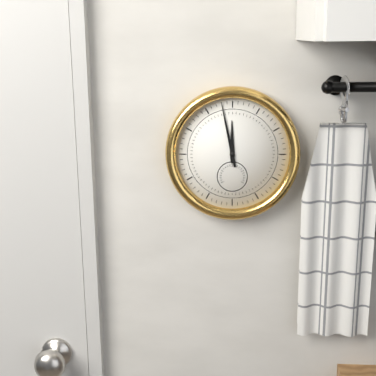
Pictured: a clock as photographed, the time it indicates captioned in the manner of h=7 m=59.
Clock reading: h=11 m=58
